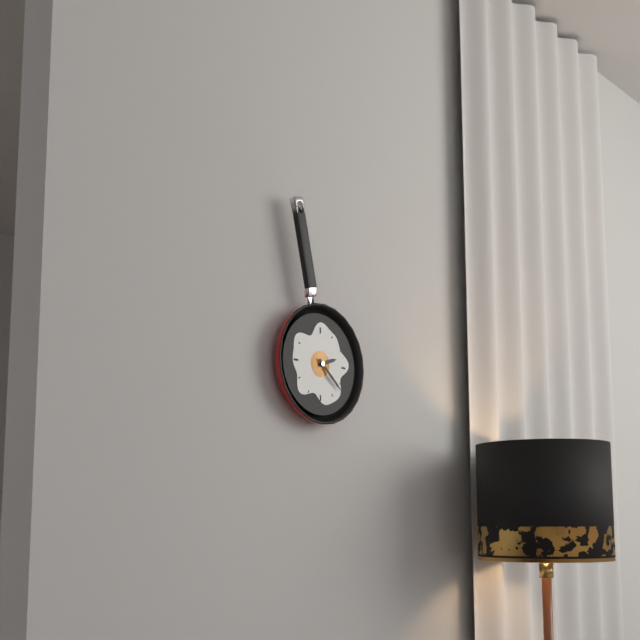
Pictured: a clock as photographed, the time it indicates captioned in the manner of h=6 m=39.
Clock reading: h=2 m=22
